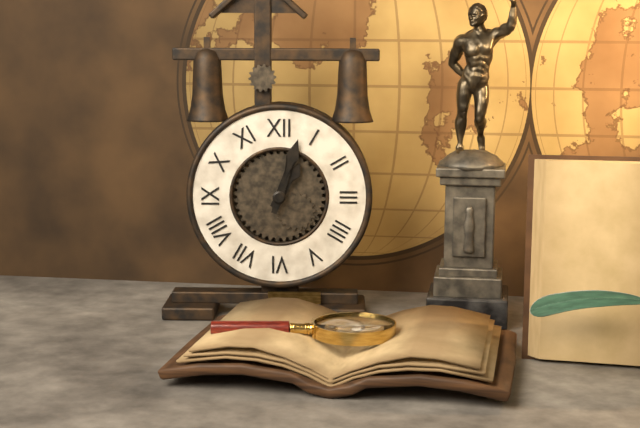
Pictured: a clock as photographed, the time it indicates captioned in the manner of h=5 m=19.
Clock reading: h=1 m=3
